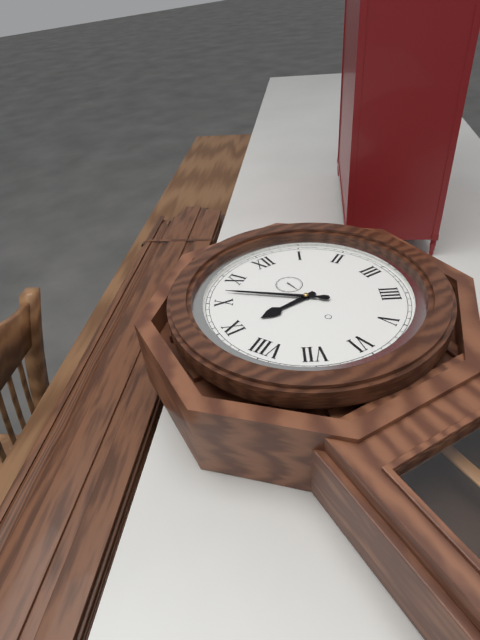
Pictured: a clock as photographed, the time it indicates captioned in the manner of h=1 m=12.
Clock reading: h=8 m=52
